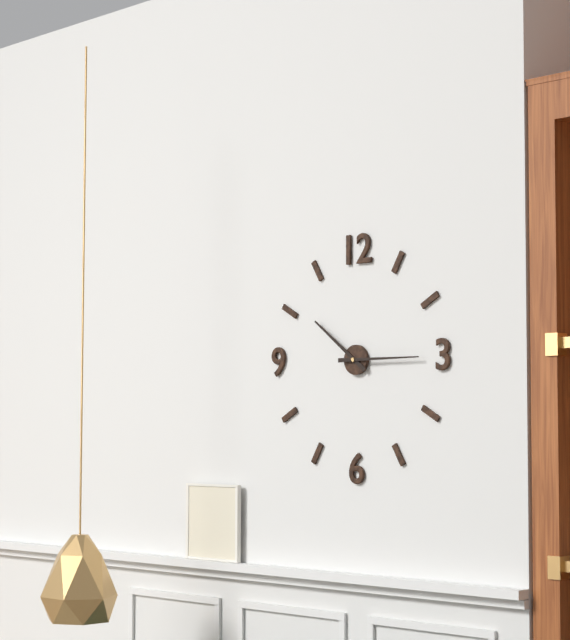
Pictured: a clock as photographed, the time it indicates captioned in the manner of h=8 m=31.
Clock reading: h=10 m=15
